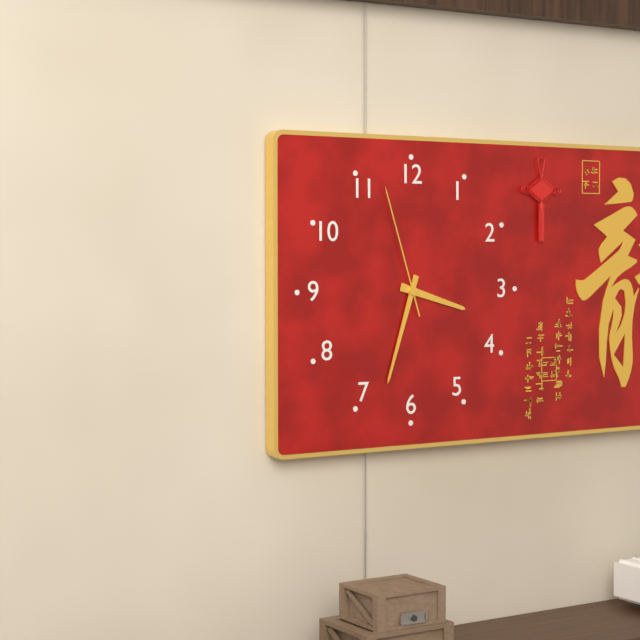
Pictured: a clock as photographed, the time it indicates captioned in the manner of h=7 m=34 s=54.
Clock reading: h=3 m=33 s=57
